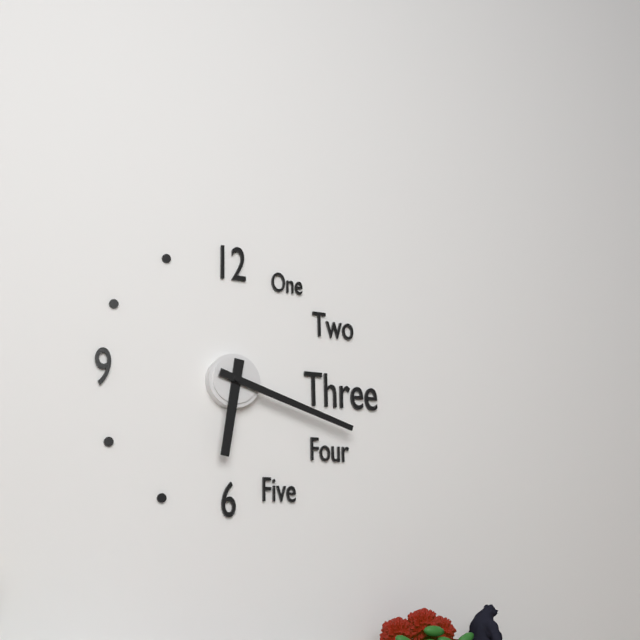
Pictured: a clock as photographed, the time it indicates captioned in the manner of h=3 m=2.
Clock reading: h=6 m=18
